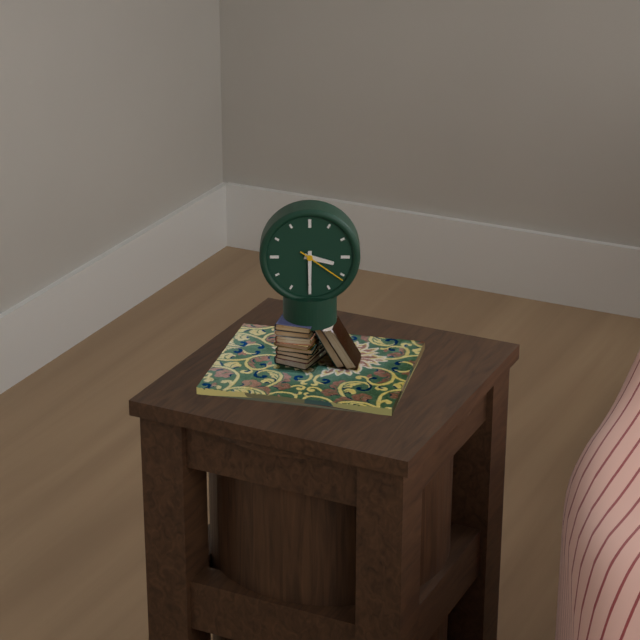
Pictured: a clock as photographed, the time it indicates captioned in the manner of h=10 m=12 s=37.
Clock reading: h=3 m=30 s=21
